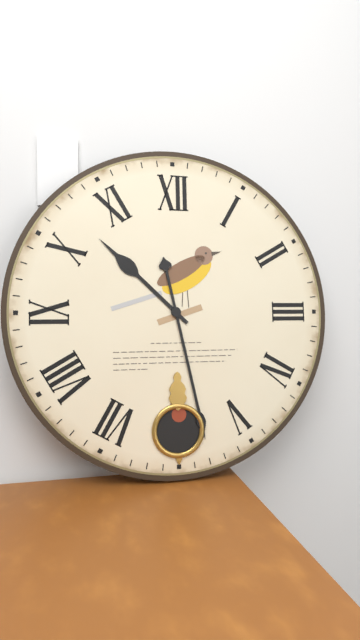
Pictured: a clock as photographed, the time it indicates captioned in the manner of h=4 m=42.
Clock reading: h=10 m=28
